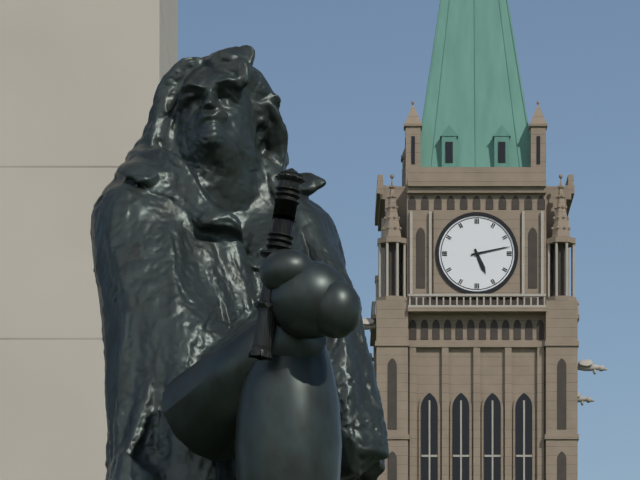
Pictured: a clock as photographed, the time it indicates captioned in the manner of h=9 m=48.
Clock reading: h=5 m=13
